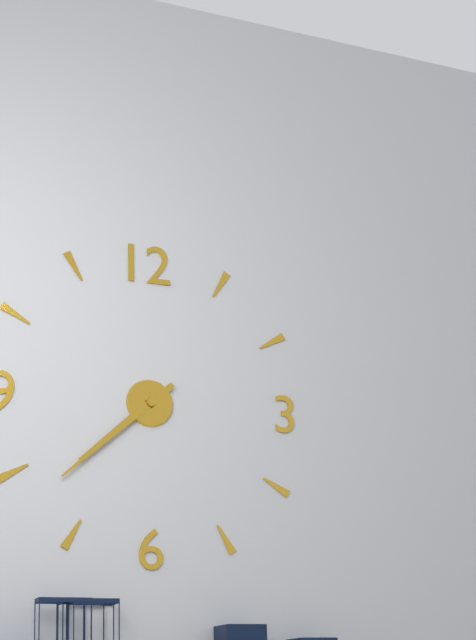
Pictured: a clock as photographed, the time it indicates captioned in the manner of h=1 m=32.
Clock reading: h=7 m=38
